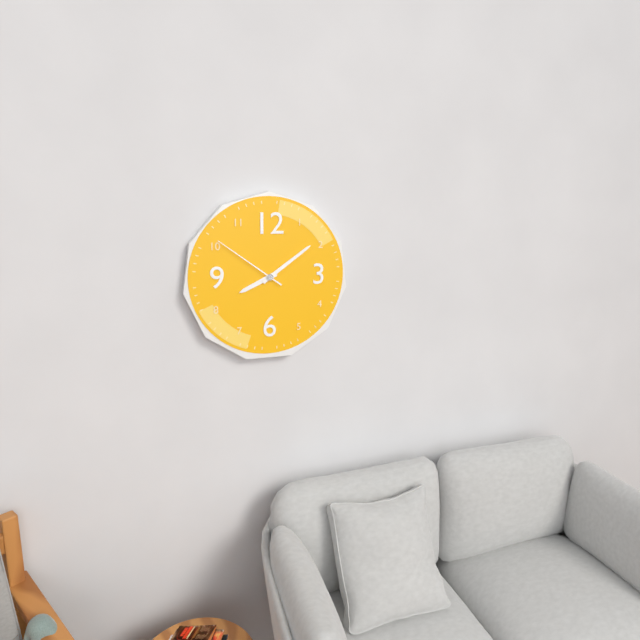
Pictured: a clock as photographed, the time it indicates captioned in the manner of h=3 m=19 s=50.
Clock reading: h=8 m=9 s=51
